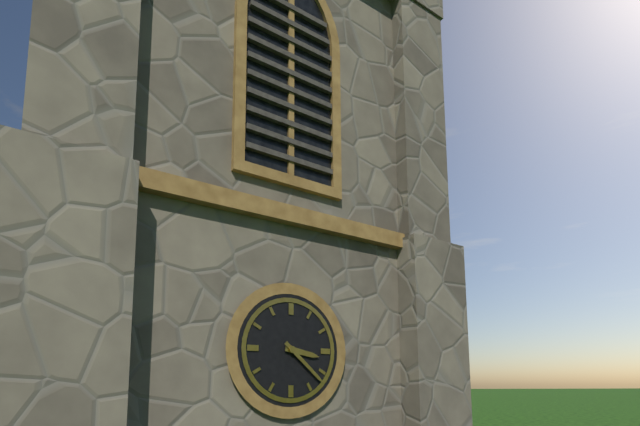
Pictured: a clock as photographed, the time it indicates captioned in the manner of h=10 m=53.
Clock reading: h=3 m=22
